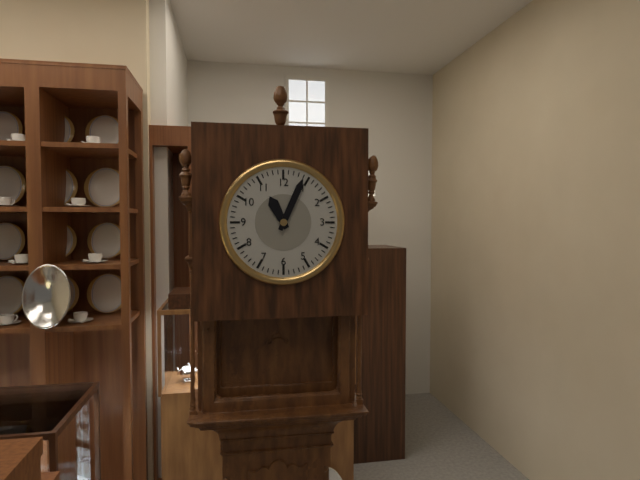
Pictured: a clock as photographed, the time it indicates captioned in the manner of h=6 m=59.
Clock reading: h=11 m=4
